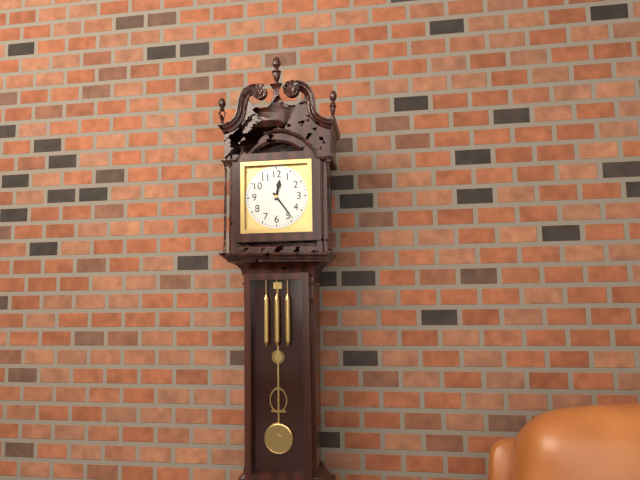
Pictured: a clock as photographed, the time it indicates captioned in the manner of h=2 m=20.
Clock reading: h=12 m=24
